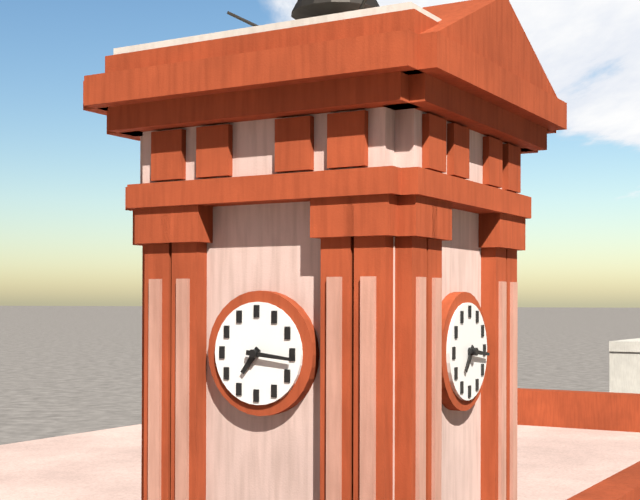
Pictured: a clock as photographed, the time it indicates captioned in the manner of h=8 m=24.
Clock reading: h=7 m=16
